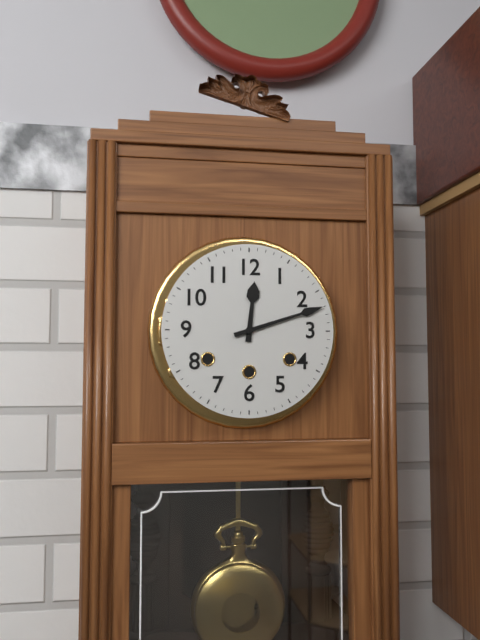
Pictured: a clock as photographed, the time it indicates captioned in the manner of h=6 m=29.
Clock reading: h=12 m=12
